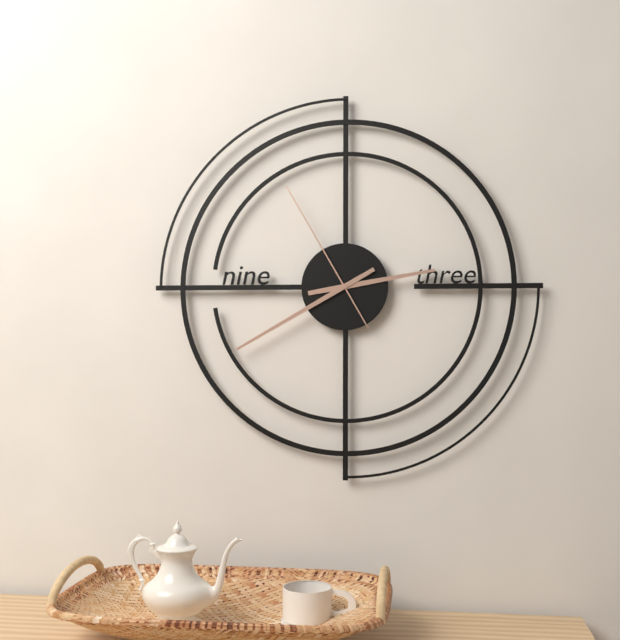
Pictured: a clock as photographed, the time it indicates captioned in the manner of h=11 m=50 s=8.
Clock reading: h=2 m=40 s=55
